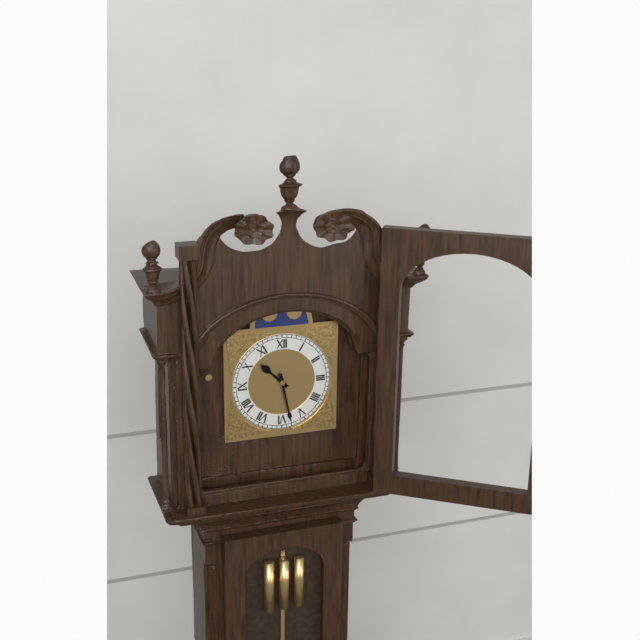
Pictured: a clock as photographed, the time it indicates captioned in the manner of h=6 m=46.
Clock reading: h=10 m=28
